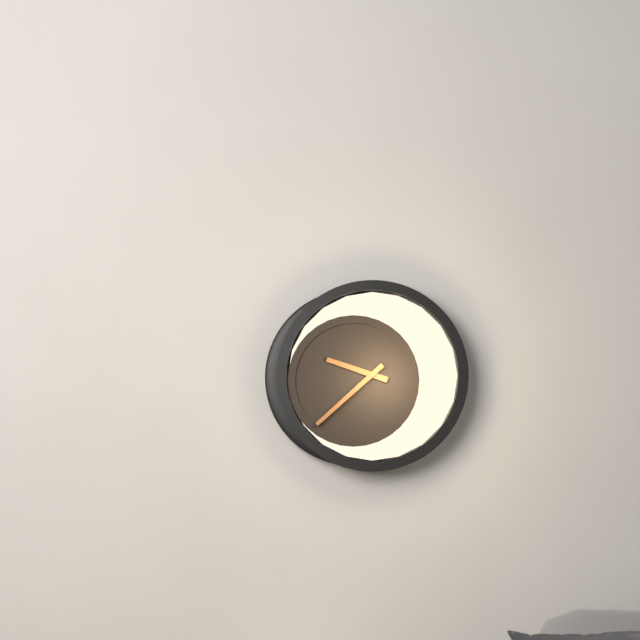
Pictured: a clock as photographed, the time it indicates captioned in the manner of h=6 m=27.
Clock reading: h=9 m=38
